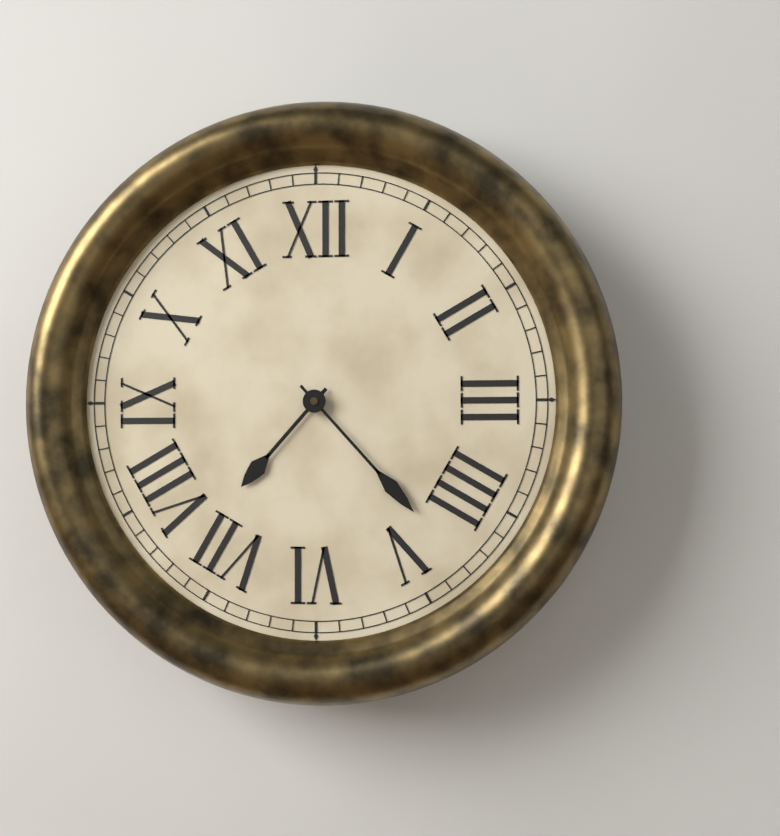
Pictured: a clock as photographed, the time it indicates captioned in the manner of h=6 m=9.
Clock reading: h=7 m=23
